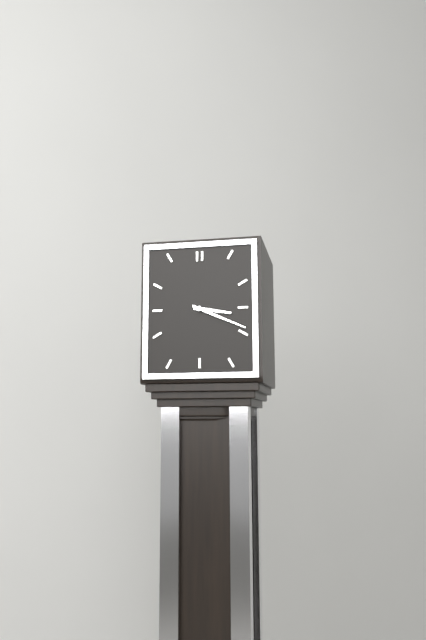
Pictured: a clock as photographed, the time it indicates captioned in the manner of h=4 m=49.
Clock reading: h=3 m=19
